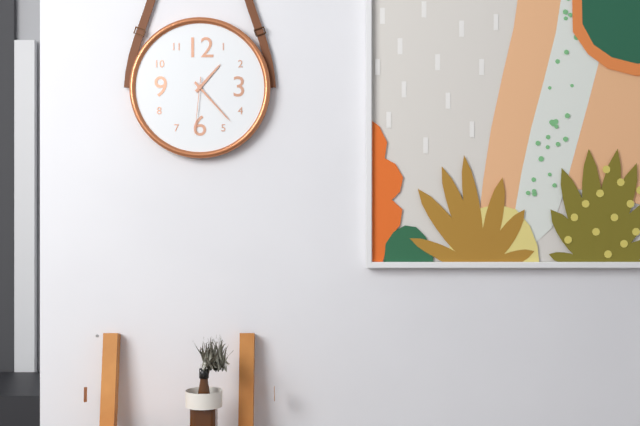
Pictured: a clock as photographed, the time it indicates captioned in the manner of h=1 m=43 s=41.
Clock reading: h=1 m=23 s=31
